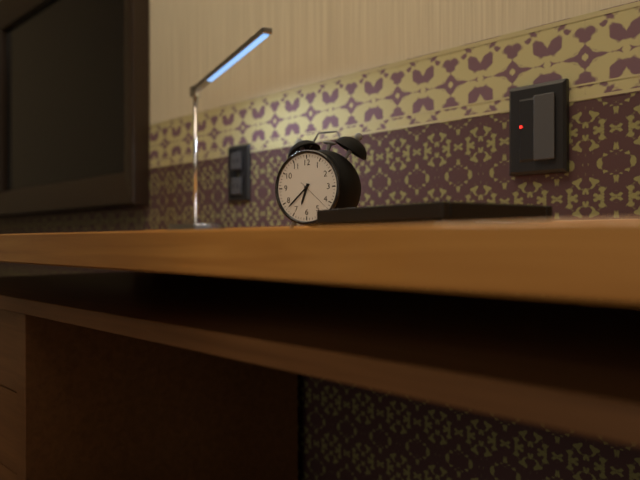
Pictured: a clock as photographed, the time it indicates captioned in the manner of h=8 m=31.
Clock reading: h=6 m=38
